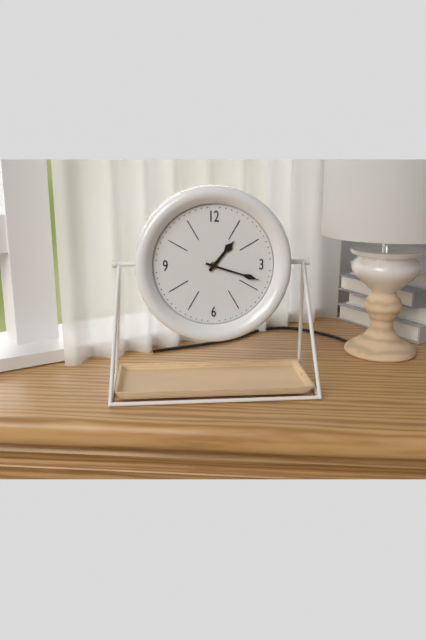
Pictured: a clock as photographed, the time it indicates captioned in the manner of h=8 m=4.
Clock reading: h=1 m=18
